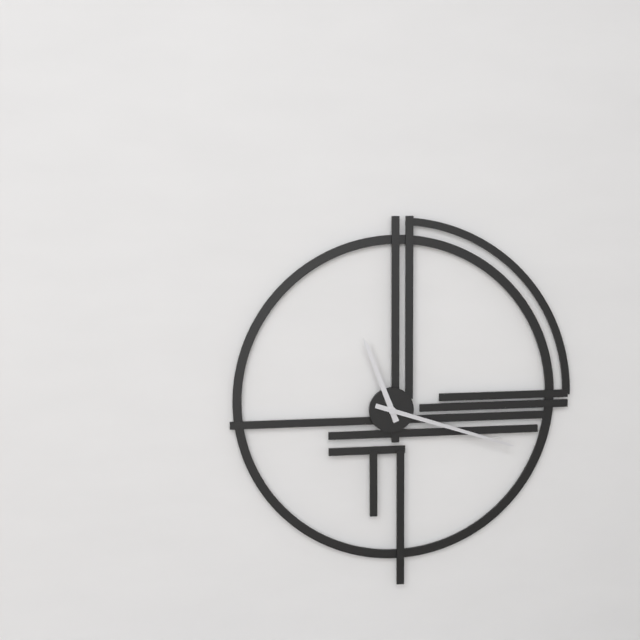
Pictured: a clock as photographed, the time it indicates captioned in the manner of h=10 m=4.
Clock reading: h=11 m=18
